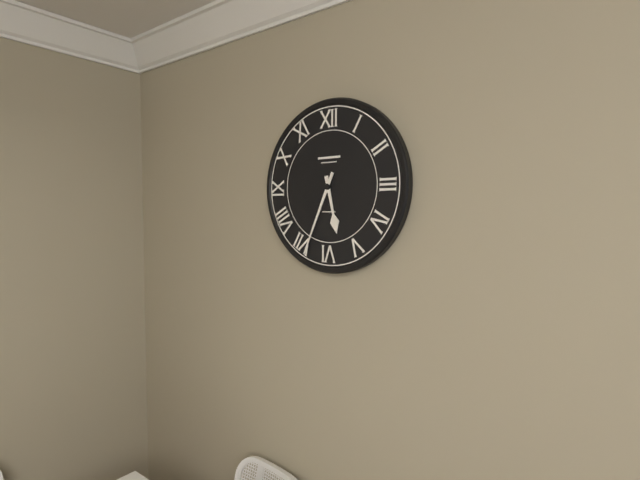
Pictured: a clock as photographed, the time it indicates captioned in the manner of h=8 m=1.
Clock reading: h=5 m=34
